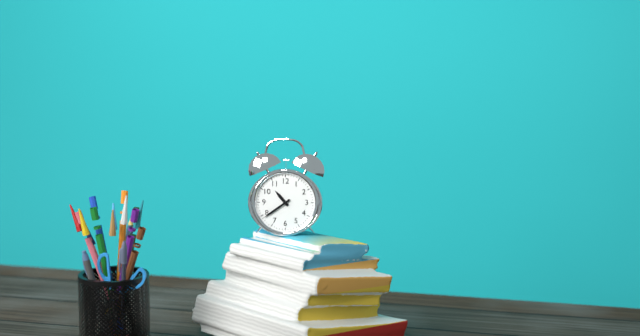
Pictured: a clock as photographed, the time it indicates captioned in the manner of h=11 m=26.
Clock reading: h=10 m=39
